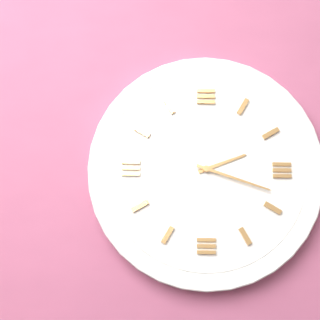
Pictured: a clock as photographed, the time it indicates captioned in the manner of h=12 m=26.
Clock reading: h=2 m=18
